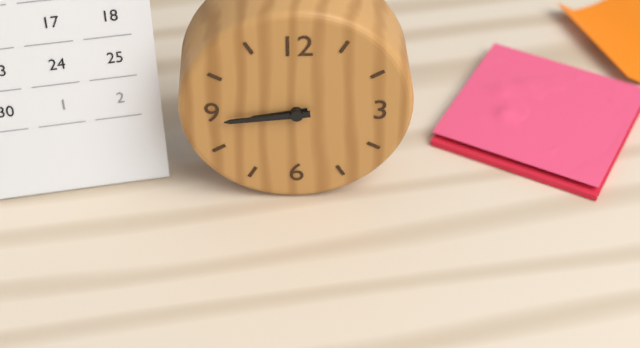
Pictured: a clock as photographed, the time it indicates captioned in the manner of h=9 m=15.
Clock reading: h=8 m=44
